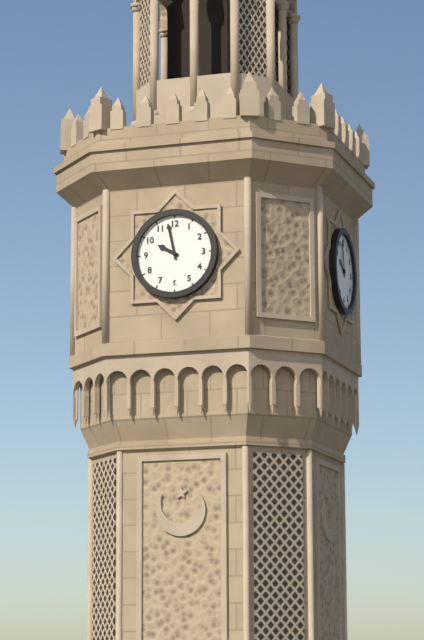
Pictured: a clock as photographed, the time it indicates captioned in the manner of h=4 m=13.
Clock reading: h=9 m=58
